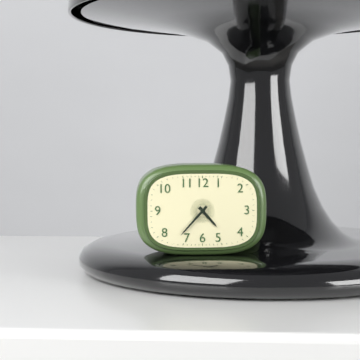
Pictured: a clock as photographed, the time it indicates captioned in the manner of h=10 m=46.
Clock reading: h=4 m=37
